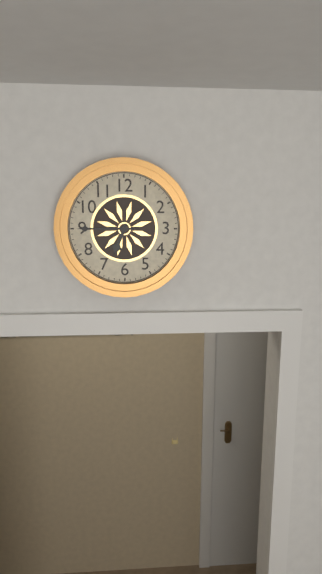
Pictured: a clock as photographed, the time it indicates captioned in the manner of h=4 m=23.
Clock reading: h=6 m=45
